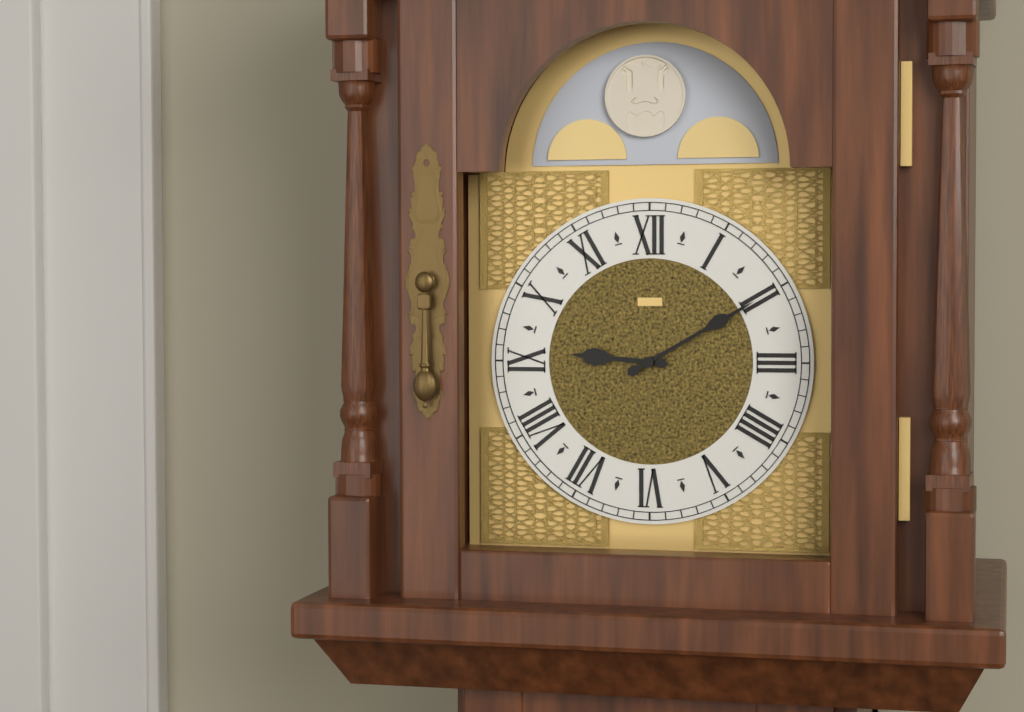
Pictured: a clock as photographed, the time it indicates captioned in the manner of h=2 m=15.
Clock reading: h=9 m=10
